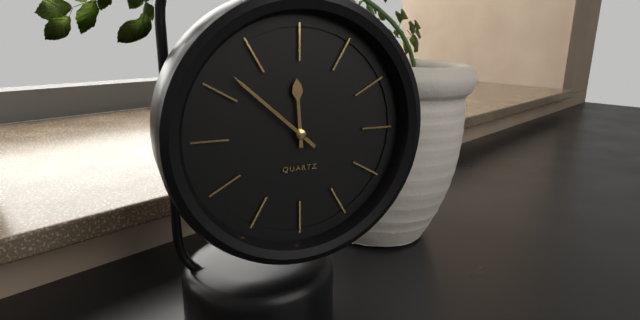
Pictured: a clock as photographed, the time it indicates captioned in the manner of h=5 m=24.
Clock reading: h=11 m=52
